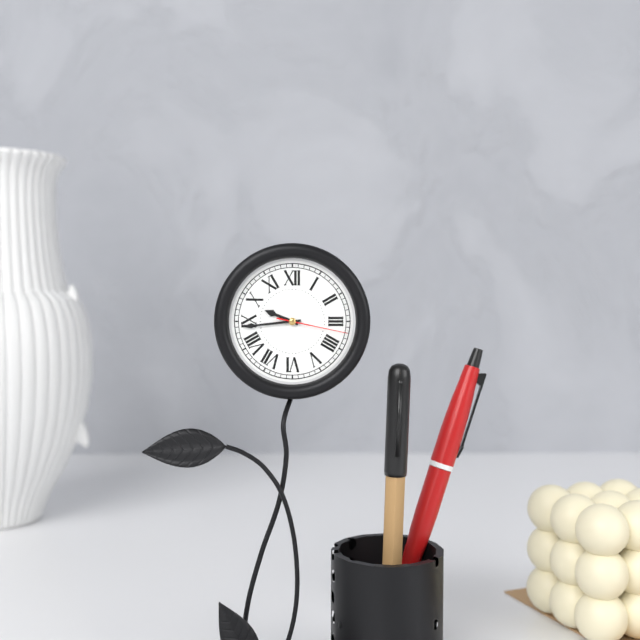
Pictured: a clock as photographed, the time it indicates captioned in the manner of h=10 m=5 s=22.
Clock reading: h=9 m=44 s=17
